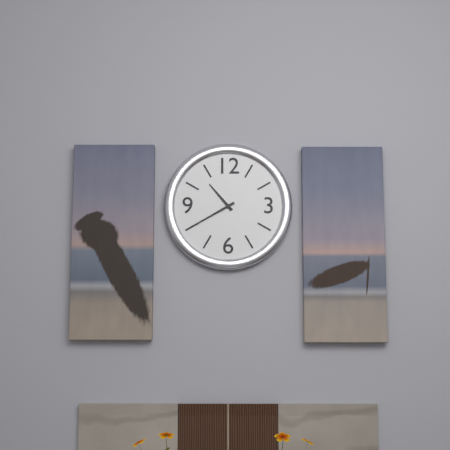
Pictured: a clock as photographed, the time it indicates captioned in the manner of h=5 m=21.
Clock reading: h=10 m=40
